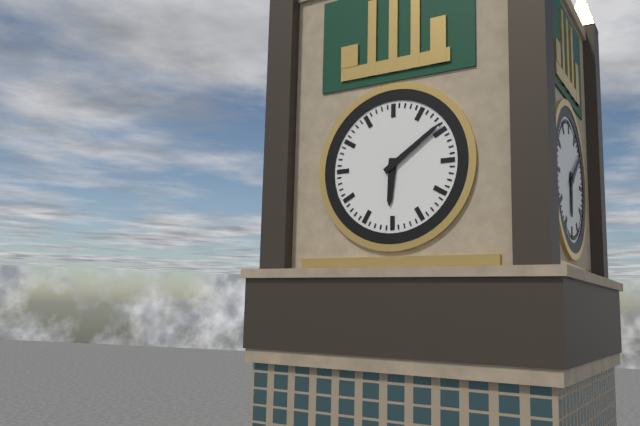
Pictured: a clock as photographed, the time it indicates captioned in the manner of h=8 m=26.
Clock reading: h=6 m=9
